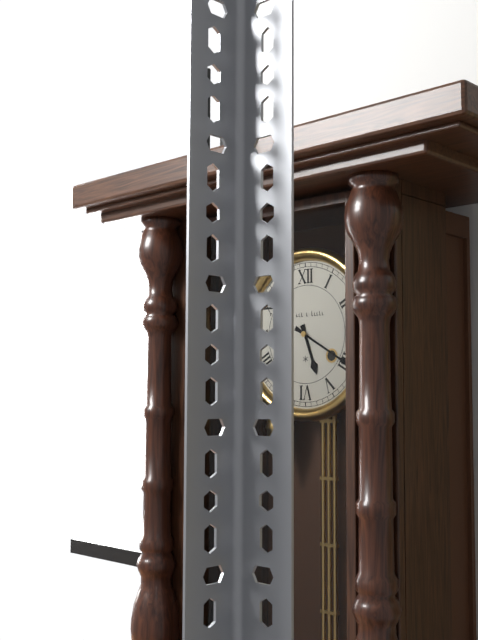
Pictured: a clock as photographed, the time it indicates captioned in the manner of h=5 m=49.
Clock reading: h=5 m=20
